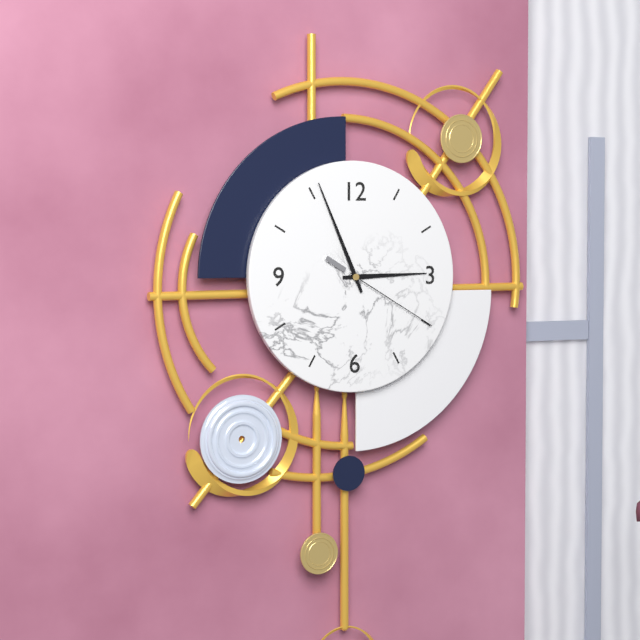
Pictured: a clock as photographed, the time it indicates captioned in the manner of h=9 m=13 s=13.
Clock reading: h=2 m=56 s=20
